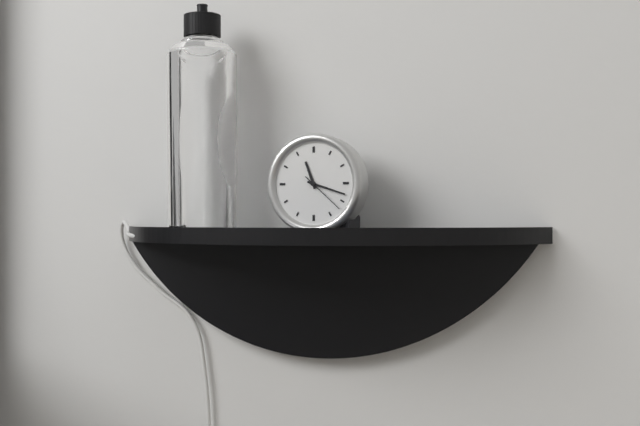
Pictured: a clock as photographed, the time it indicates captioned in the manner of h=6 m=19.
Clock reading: h=11 m=18
